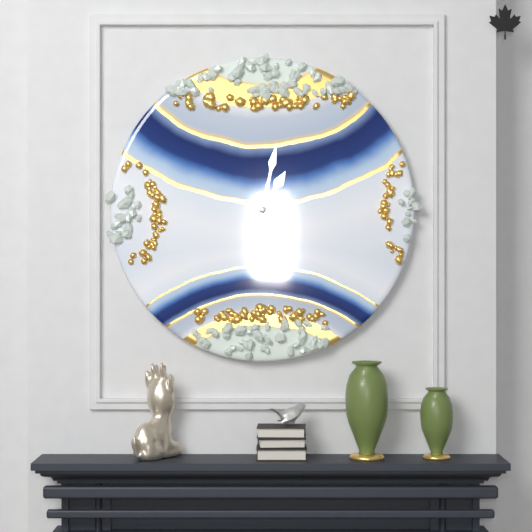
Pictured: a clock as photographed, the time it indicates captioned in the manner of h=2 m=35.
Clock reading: h=1 m=2
